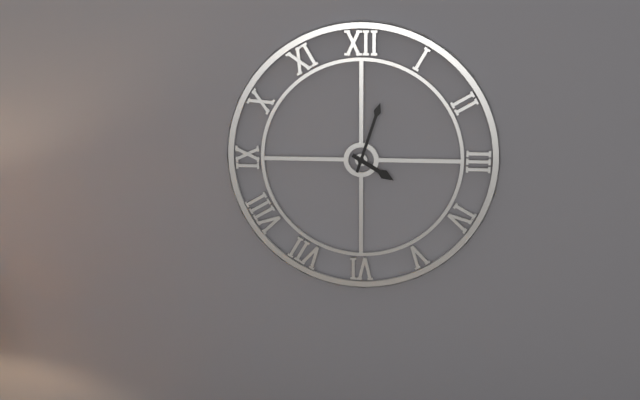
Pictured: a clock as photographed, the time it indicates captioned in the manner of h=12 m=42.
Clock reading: h=4 m=3
